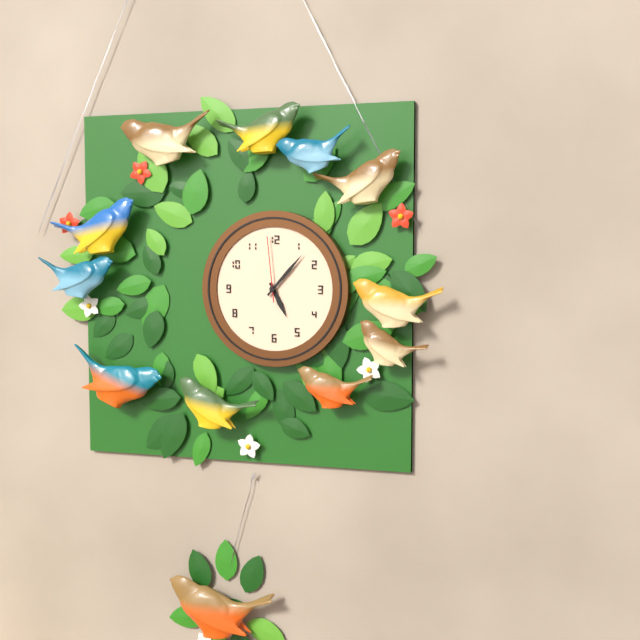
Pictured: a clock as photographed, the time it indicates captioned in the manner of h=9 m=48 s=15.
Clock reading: h=5 m=7 s=59
